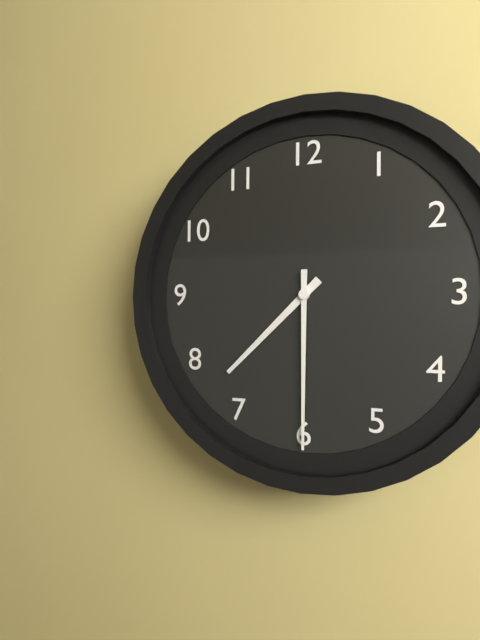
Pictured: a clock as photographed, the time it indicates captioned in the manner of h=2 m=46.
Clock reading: h=7 m=30
